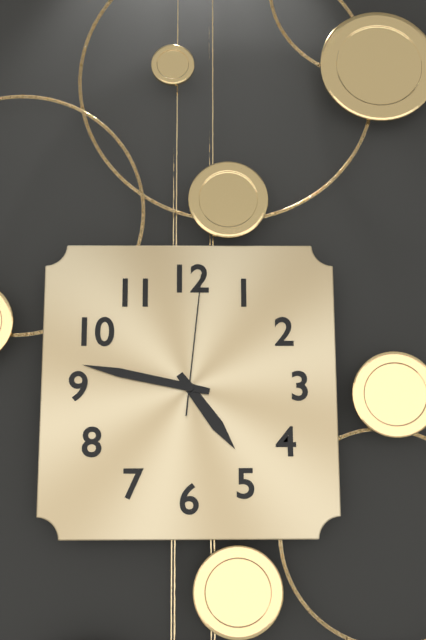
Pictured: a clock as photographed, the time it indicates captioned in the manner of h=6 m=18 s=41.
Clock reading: h=4 m=47 s=1
